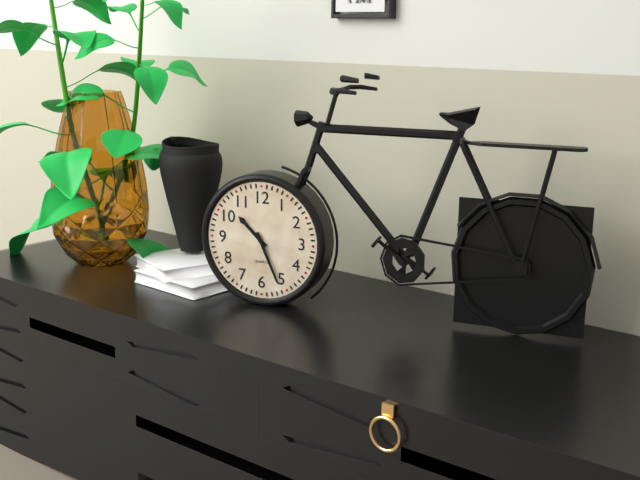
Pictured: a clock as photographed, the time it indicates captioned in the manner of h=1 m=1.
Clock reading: h=10 m=26
